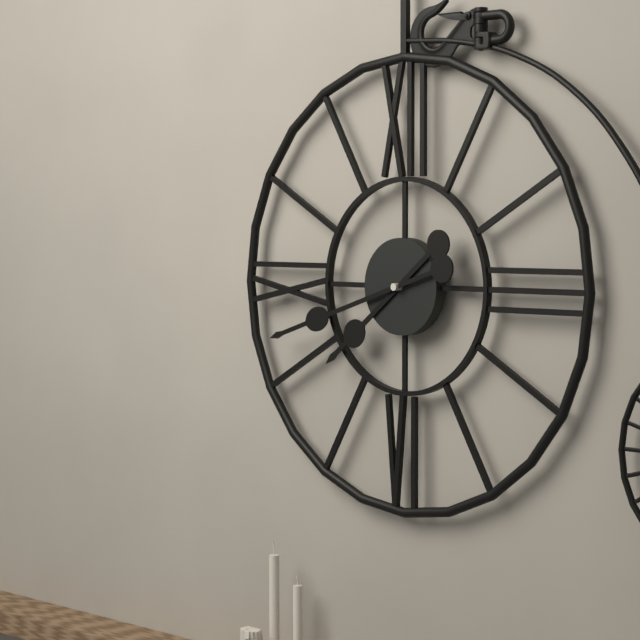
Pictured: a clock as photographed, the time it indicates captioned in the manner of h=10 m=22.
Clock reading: h=7 m=42
